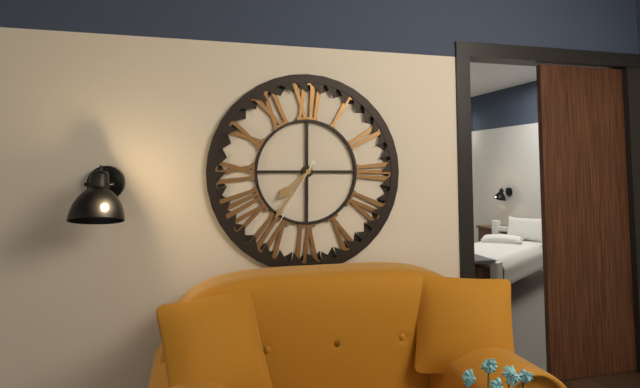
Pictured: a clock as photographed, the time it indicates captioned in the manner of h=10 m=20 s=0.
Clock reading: h=7 m=36 s=35
